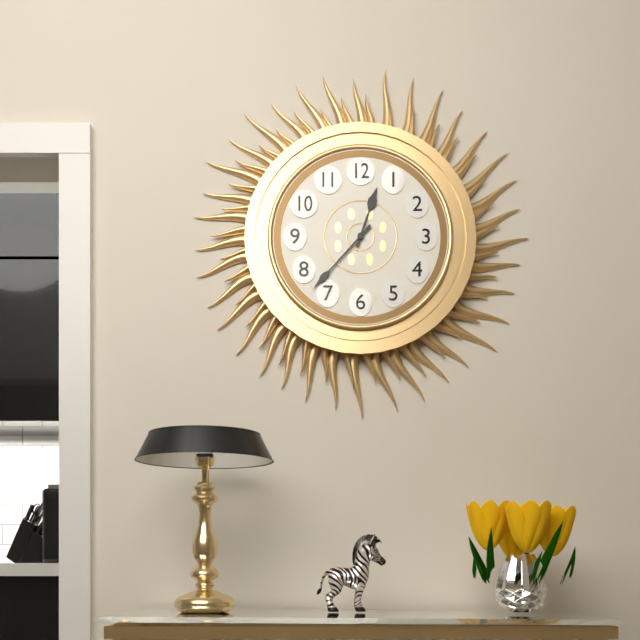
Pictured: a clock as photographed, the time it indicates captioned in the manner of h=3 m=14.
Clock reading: h=12 m=37
